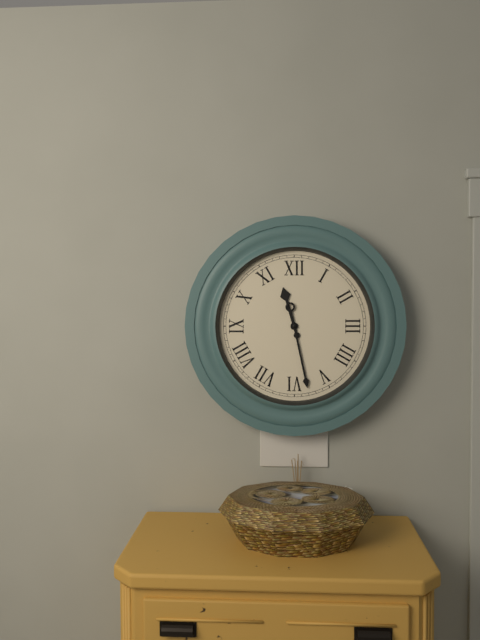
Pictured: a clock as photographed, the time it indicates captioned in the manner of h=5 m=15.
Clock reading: h=11 m=28
